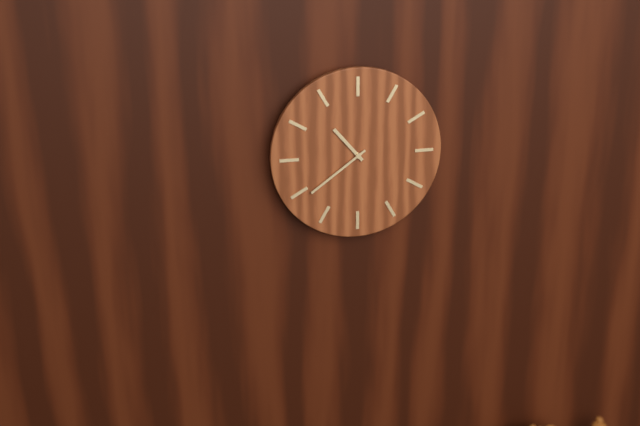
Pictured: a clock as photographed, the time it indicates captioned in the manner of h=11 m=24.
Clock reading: h=10 m=39
